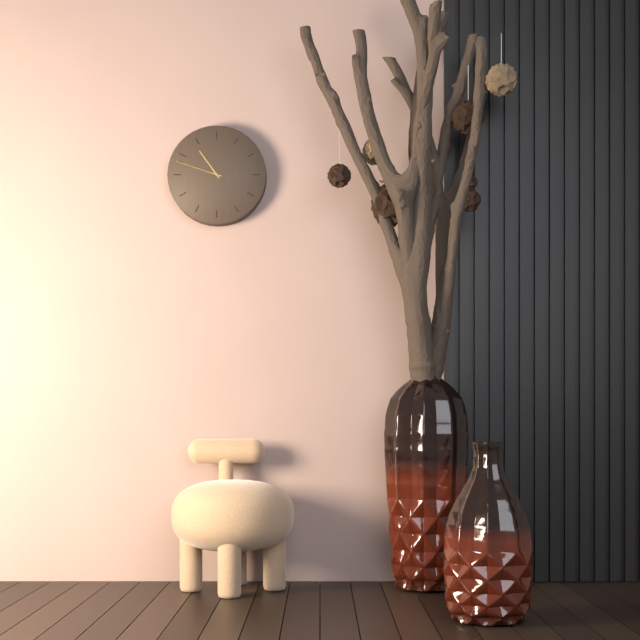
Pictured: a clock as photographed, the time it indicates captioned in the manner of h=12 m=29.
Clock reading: h=10 m=48
